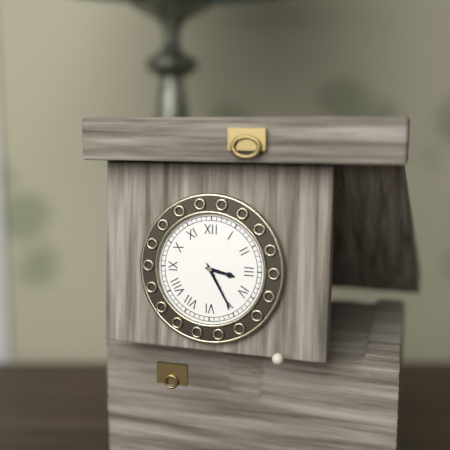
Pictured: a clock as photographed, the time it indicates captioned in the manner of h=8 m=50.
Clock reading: h=3 m=25
